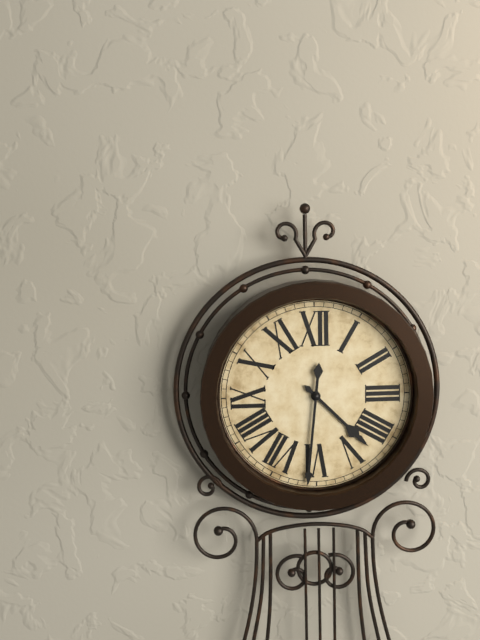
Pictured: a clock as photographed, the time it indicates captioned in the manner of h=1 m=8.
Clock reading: h=4 m=31
